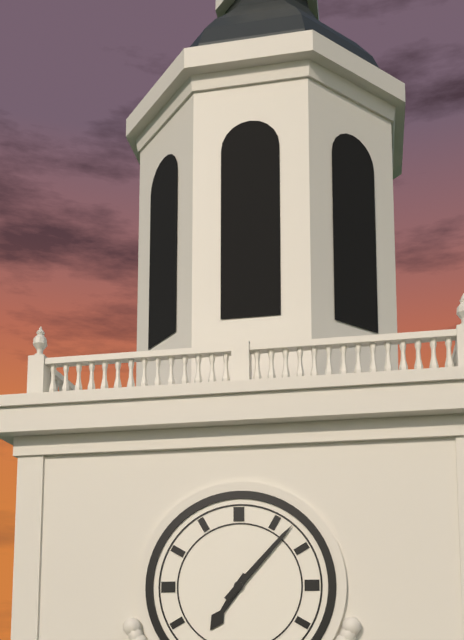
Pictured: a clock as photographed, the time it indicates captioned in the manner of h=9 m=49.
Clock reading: h=7 m=7
